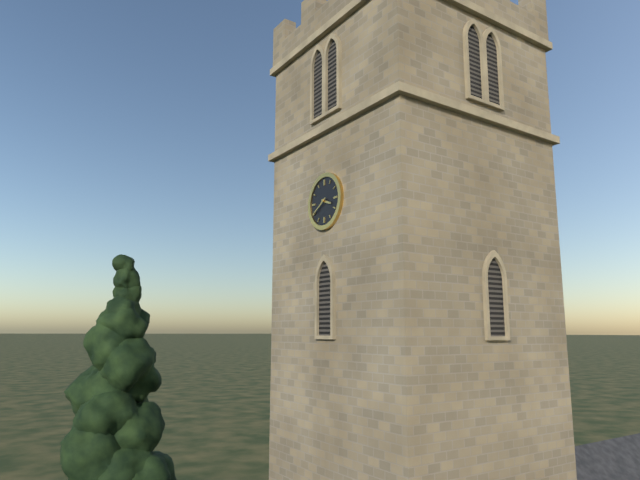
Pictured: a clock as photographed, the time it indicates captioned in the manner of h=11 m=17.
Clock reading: h=3 m=40
